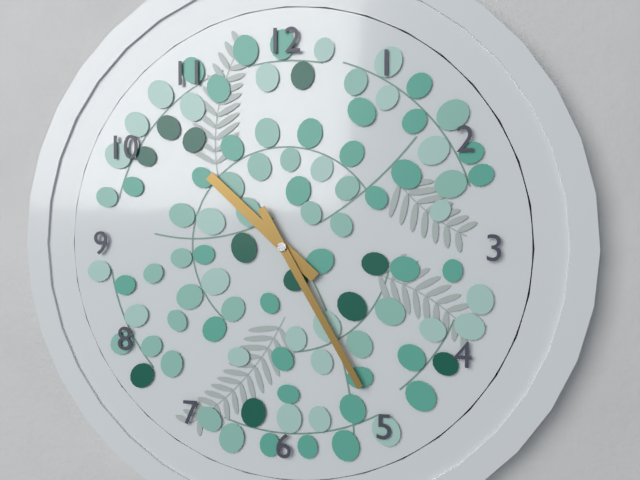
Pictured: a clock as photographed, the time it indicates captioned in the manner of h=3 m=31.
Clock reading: h=10 m=25
